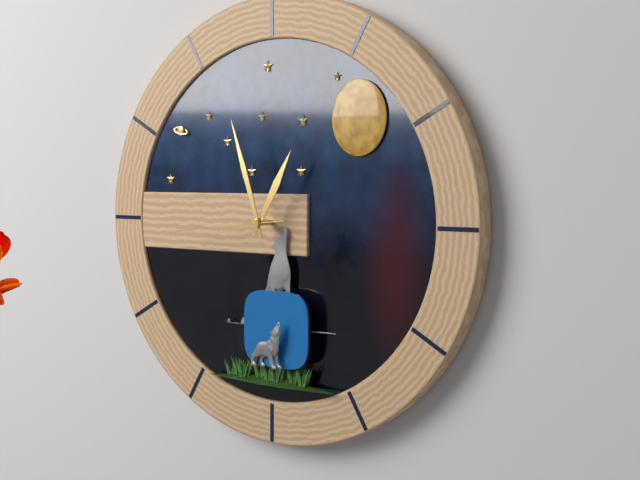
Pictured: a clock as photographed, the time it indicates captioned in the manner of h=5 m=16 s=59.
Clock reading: h=12 m=57 s=44
